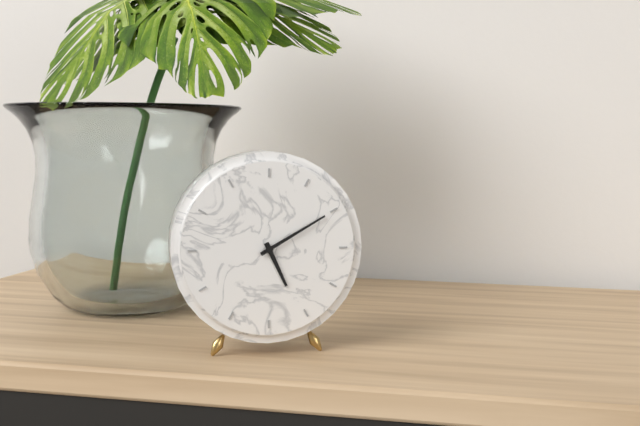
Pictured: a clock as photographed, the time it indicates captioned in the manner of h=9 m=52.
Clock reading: h=5 m=10
